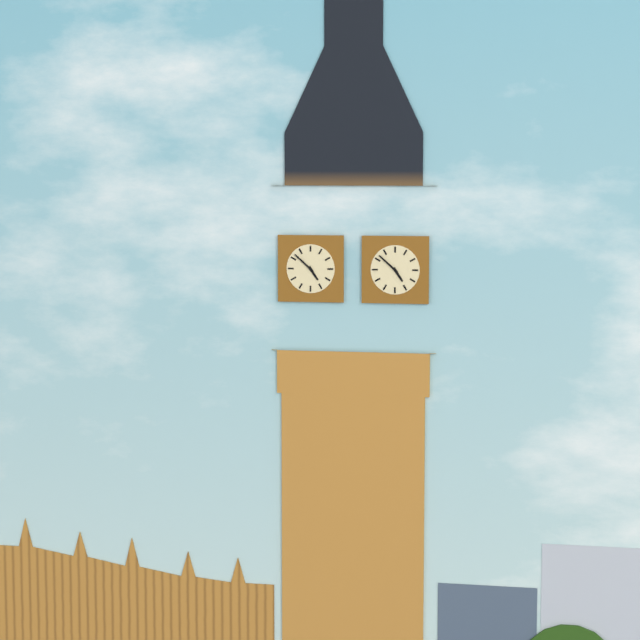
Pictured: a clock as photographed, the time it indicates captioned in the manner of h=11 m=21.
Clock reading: h=4 m=52
